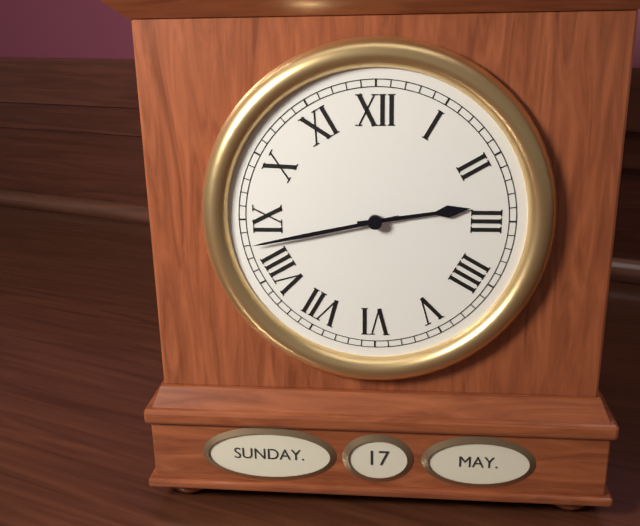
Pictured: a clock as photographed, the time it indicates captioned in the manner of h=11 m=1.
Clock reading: h=2 m=43
